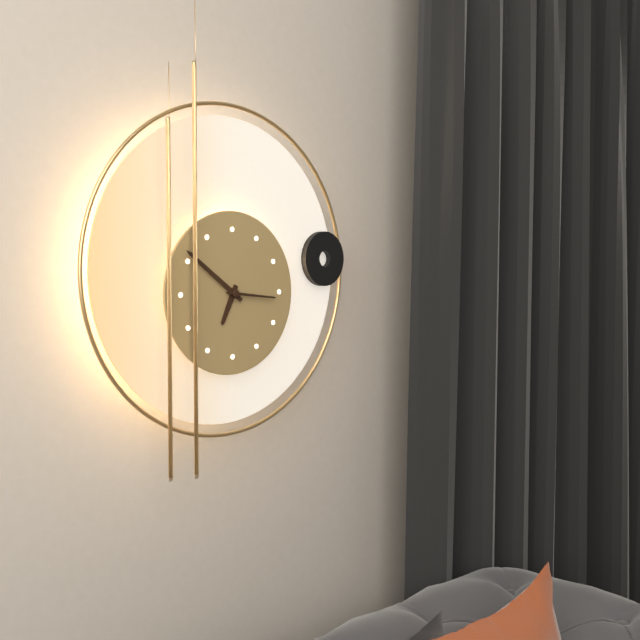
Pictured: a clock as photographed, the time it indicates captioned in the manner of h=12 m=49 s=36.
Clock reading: h=6 m=51 s=16
